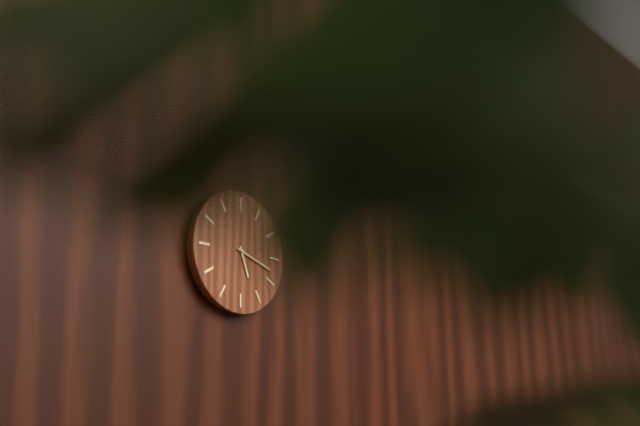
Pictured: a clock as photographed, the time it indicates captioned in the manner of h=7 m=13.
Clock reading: h=5 m=18
